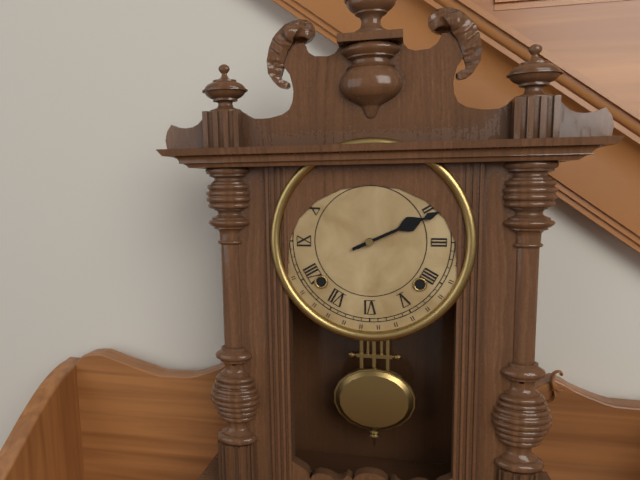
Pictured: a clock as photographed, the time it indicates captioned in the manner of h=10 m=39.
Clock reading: h=2 m=11
